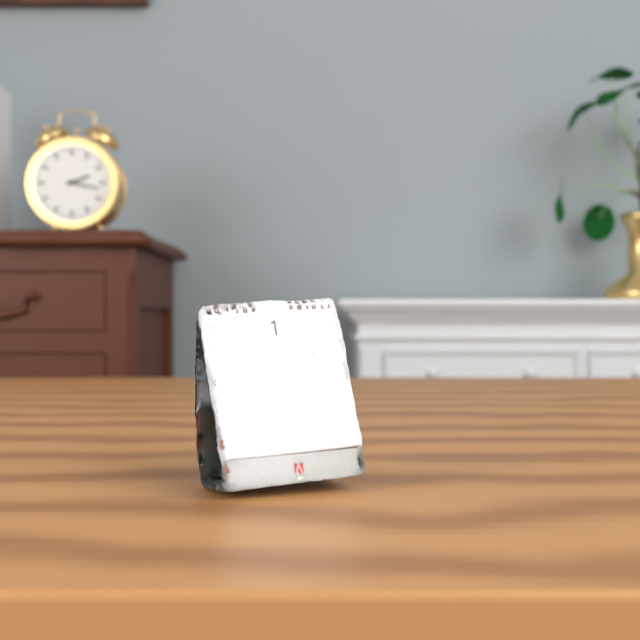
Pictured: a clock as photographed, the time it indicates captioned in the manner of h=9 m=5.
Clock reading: h=2 m=17
